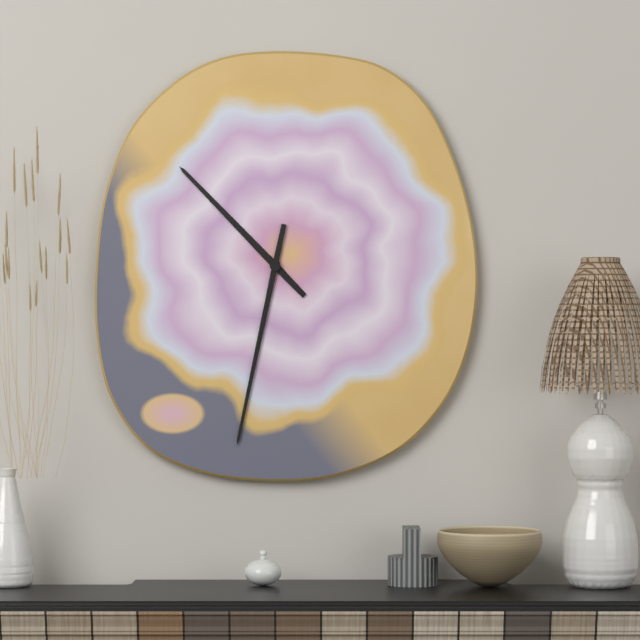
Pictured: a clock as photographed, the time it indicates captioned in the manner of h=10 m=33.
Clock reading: h=10 m=32
